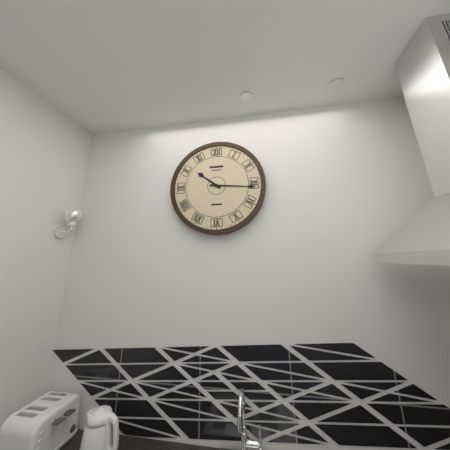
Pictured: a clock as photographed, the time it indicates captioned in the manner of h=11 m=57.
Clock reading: h=10 m=16
